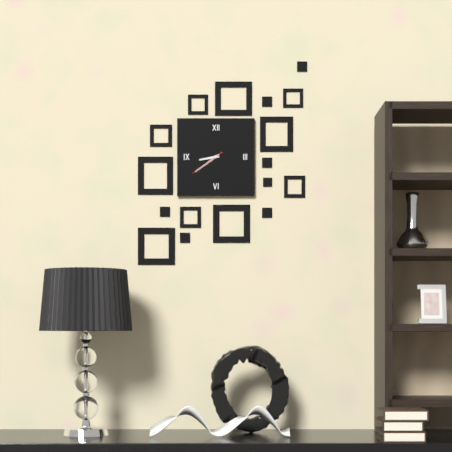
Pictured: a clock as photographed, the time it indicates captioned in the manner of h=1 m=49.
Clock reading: h=8 m=39
